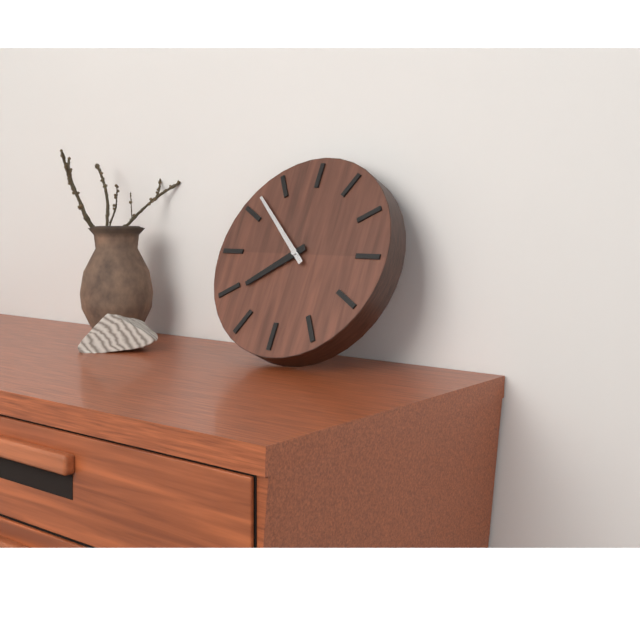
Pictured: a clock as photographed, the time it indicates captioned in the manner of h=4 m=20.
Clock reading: h=7 m=52
